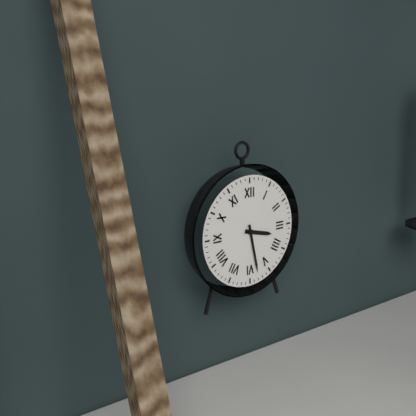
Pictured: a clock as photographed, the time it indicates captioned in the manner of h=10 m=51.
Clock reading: h=3 m=28
